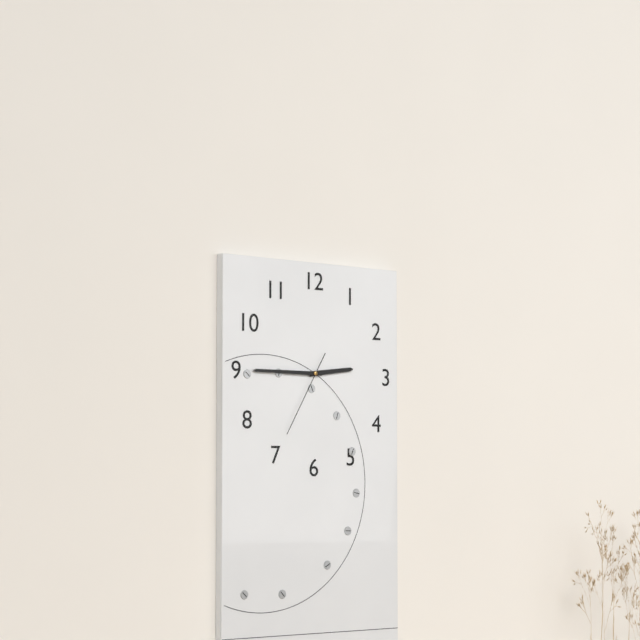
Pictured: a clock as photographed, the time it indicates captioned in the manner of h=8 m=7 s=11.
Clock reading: h=2 m=45 s=35
